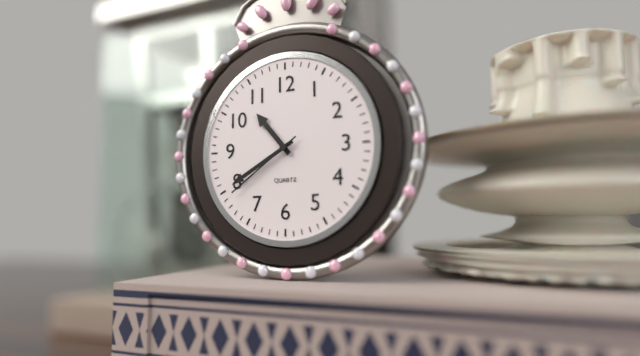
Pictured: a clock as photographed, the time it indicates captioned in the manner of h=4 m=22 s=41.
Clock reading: h=10 m=40 s=39
